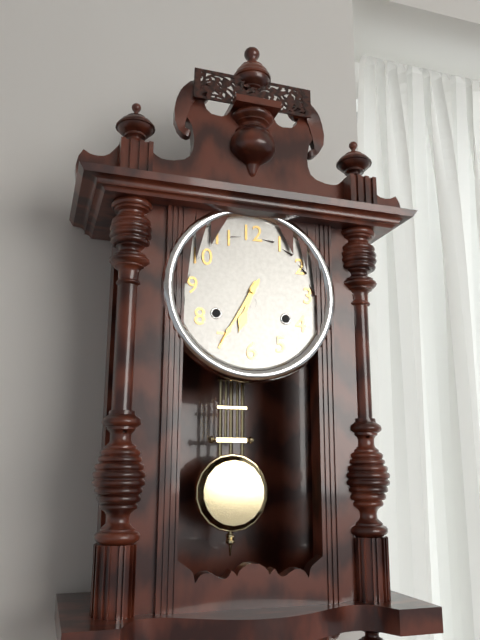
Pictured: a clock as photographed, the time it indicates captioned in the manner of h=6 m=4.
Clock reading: h=6 m=35
